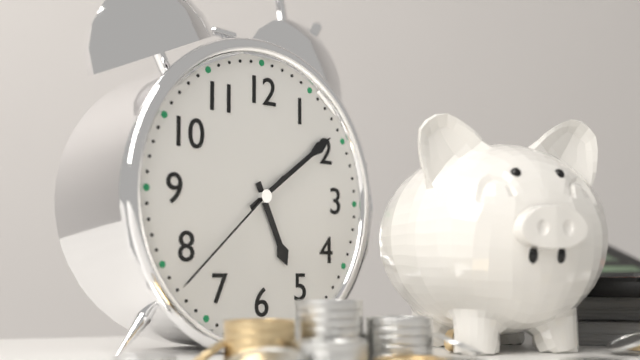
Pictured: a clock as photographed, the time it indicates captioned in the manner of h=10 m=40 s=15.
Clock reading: h=5 m=9 s=38
